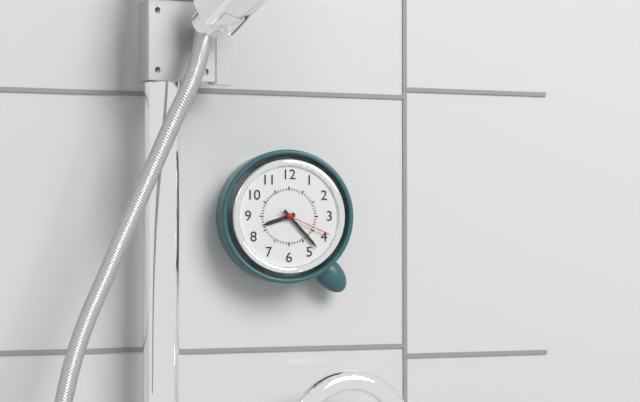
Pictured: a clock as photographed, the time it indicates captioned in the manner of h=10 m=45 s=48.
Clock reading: h=8 m=23 s=19
